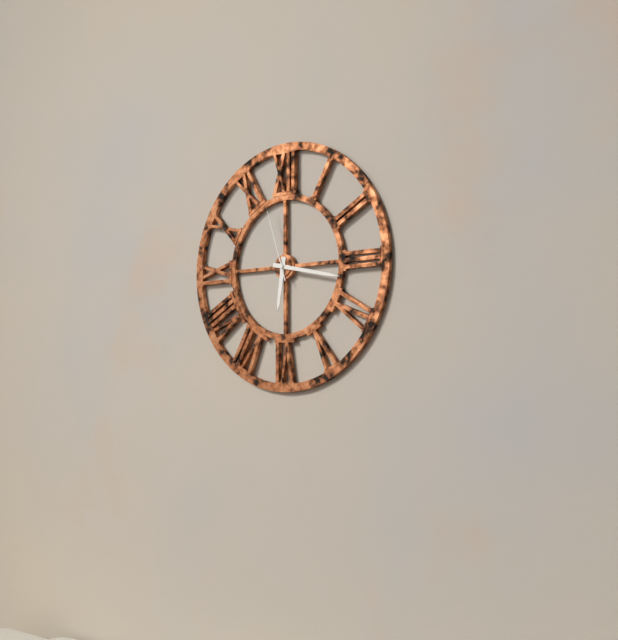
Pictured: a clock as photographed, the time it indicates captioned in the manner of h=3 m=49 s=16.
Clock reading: h=6 m=17 s=57
